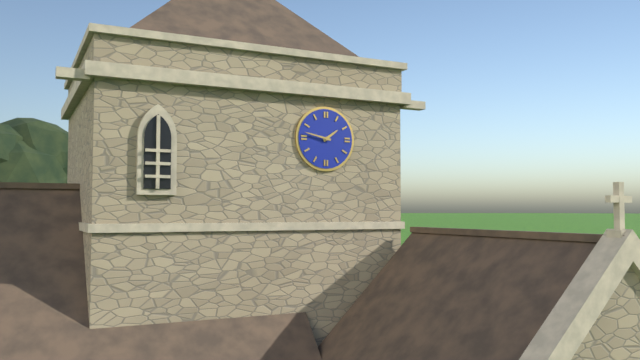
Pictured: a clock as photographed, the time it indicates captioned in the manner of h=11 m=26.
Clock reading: h=1 m=47
